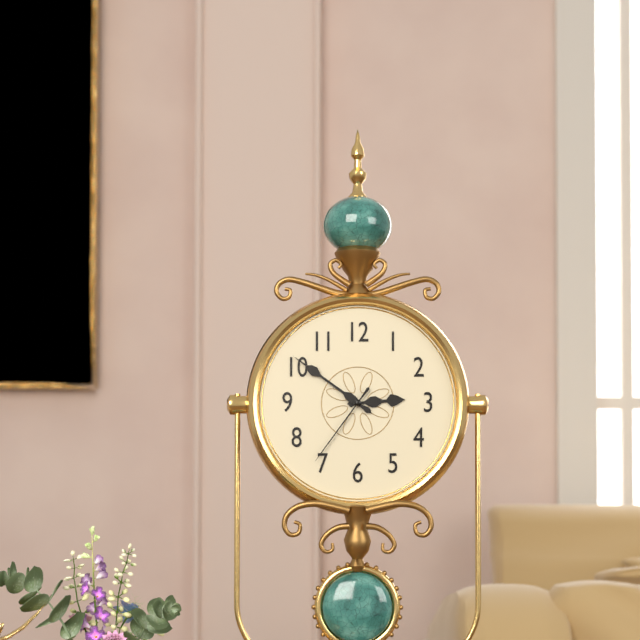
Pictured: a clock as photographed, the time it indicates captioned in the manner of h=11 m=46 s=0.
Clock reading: h=2 m=51 s=36
